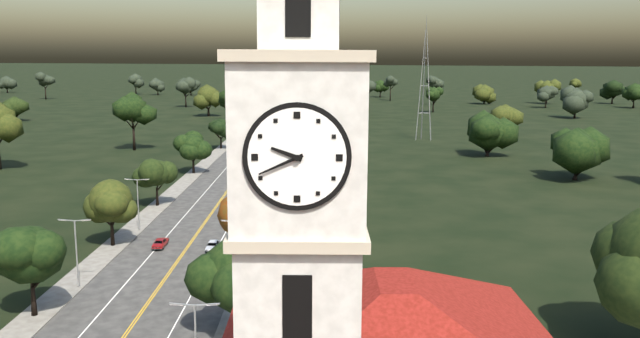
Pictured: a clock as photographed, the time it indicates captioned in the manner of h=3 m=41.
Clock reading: h=9 m=41
